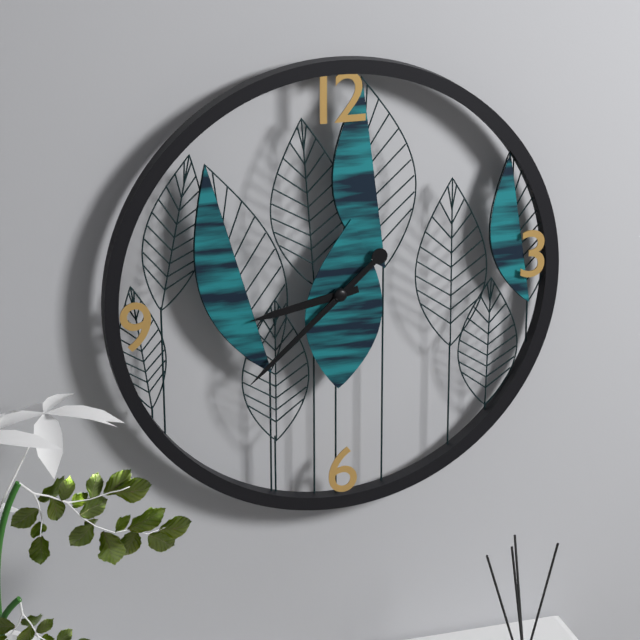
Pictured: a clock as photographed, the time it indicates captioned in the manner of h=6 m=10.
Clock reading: h=8 m=38
